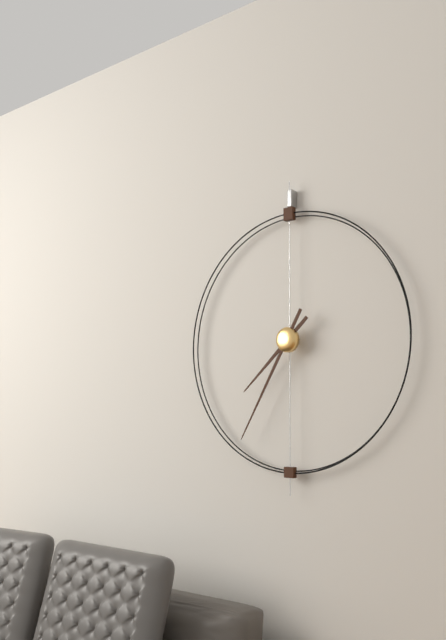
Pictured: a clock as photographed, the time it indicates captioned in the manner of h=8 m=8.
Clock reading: h=7 m=35
